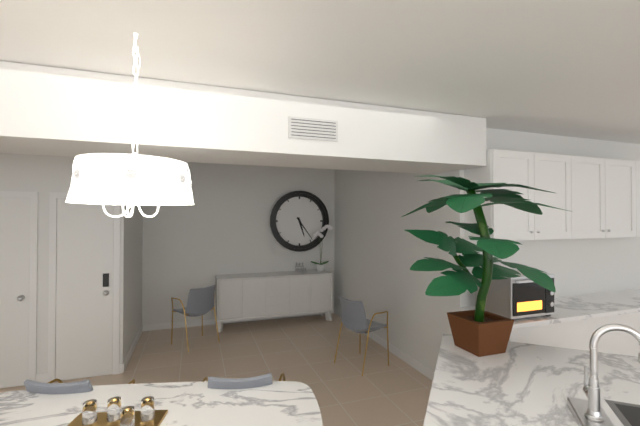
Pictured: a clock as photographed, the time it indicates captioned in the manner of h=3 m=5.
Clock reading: h=5 m=24
